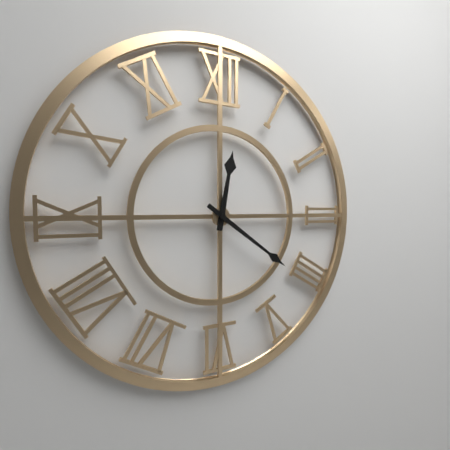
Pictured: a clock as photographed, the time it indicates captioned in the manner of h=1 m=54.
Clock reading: h=12 m=21
